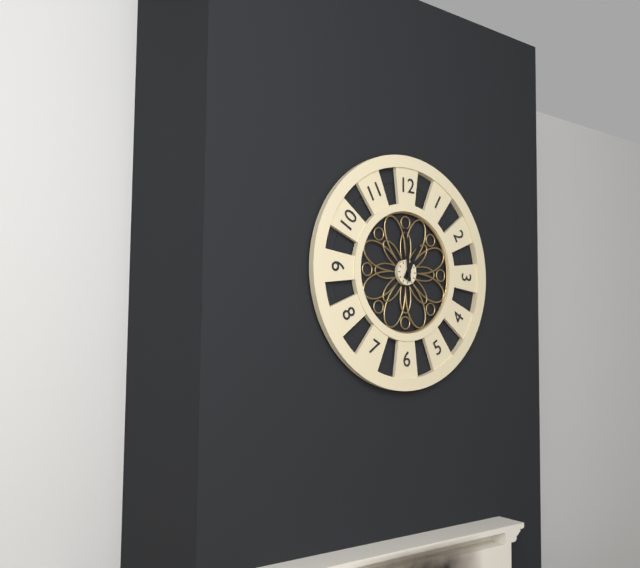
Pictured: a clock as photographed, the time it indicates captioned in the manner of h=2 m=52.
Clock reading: h=12 m=59
